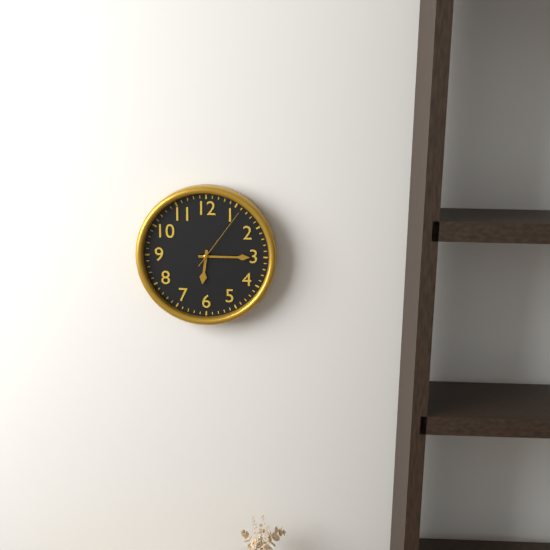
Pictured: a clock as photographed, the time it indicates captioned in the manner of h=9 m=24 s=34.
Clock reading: h=6 m=15 s=6
